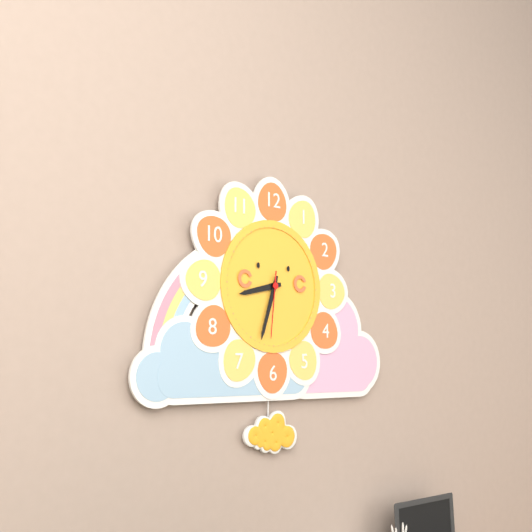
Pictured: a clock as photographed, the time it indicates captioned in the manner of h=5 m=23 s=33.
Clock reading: h=8 m=33 s=31
